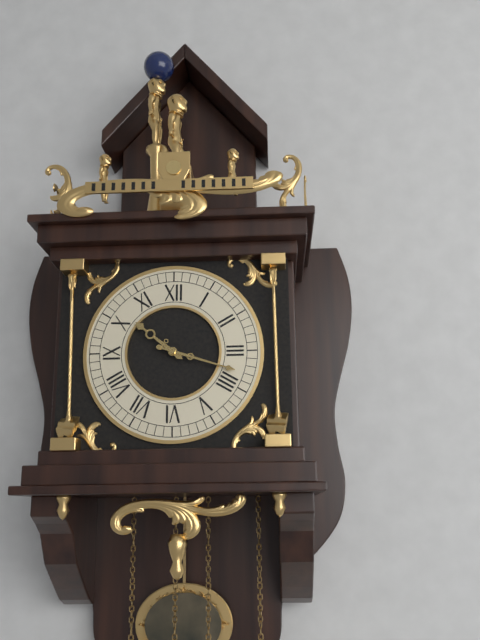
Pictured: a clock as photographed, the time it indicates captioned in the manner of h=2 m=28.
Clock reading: h=10 m=18
